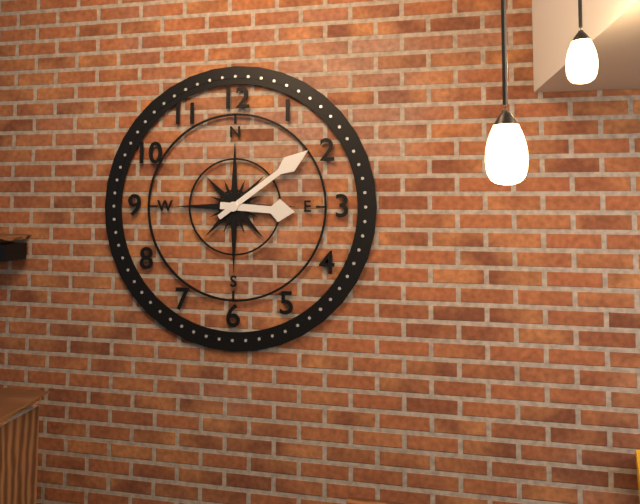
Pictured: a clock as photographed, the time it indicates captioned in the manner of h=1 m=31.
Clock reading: h=3 m=9
